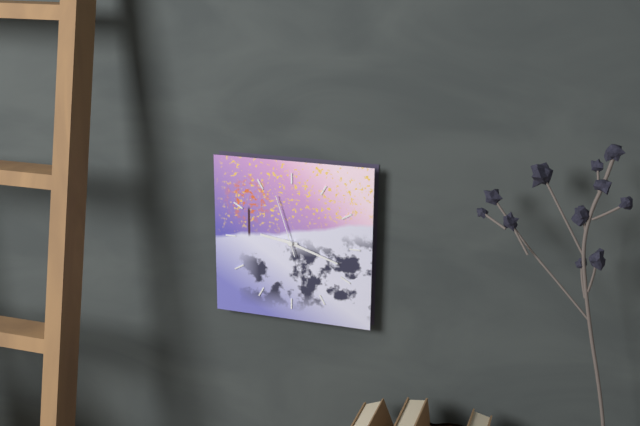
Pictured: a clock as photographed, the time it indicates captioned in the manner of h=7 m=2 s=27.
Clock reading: h=9 m=18 s=57
